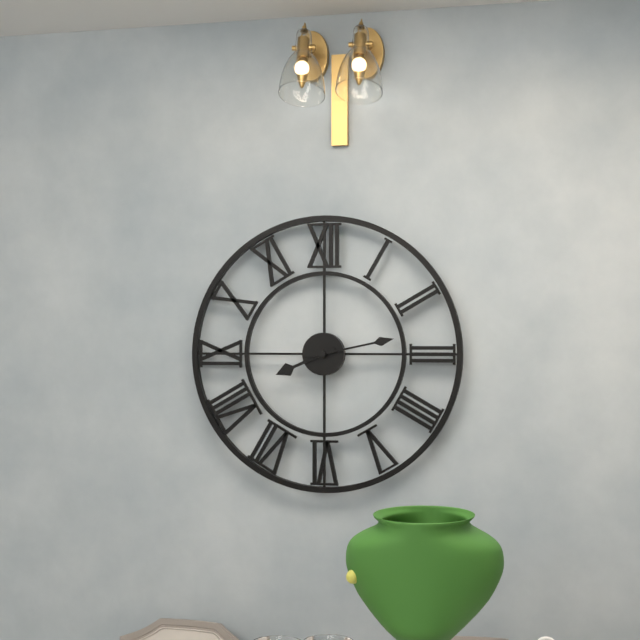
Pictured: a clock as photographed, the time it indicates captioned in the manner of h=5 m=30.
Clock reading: h=8 m=13
